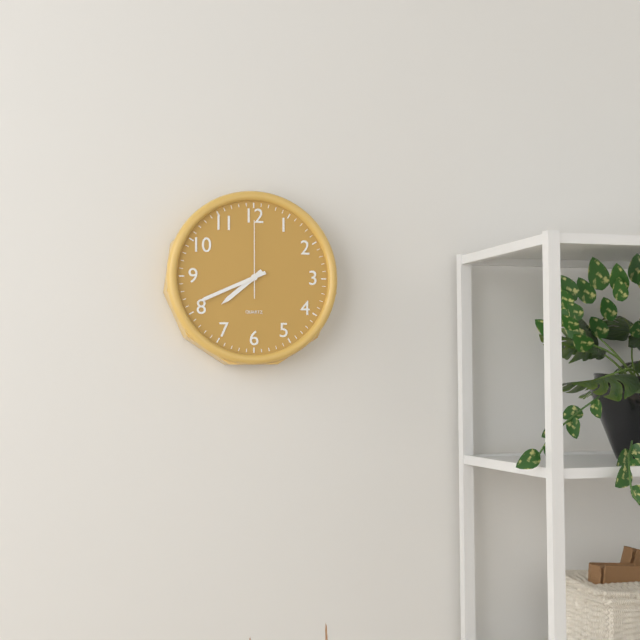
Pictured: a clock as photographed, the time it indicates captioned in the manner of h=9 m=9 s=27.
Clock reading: h=7 m=41 s=0
